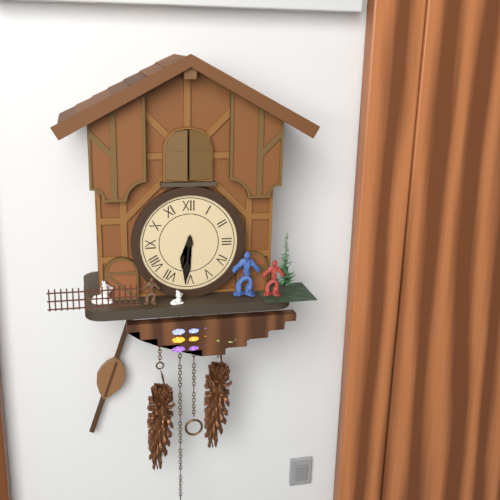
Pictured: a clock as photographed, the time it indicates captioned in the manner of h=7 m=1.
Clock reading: h=6 m=31
